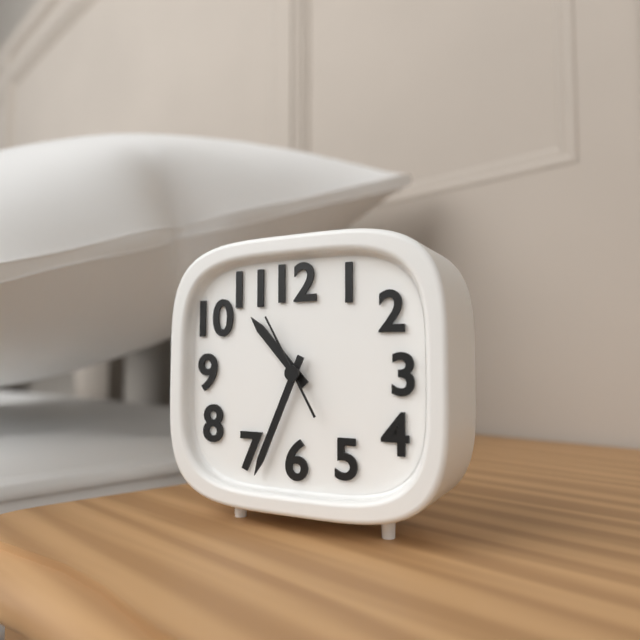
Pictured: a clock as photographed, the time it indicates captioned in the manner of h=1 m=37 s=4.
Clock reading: h=10 m=34 s=55
